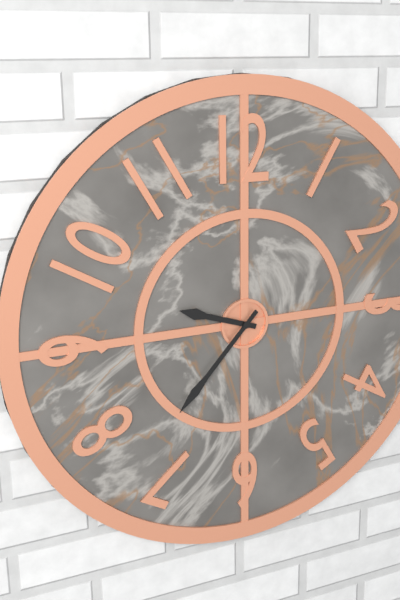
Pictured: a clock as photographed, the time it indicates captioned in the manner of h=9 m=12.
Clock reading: h=9 m=37
